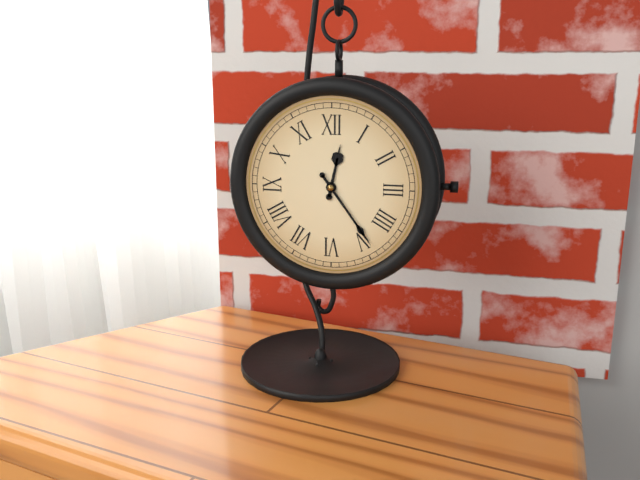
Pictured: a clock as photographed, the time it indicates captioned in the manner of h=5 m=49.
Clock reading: h=12 m=24
